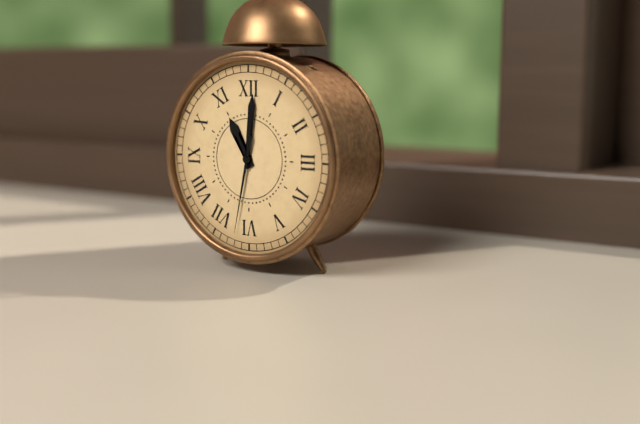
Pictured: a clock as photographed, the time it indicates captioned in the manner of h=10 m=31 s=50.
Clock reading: h=11 m=1 s=32
